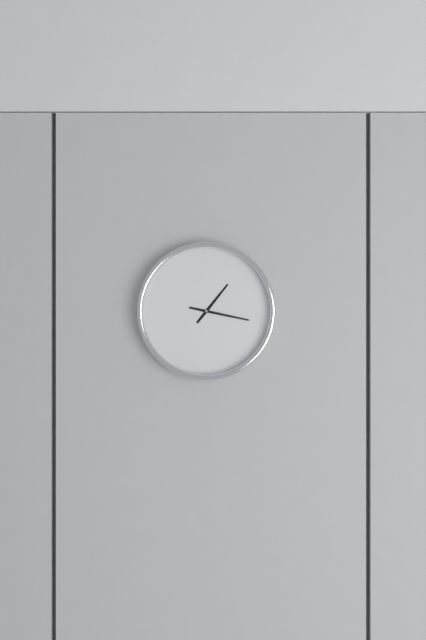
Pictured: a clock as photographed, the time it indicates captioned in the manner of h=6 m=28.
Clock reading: h=1 m=17
